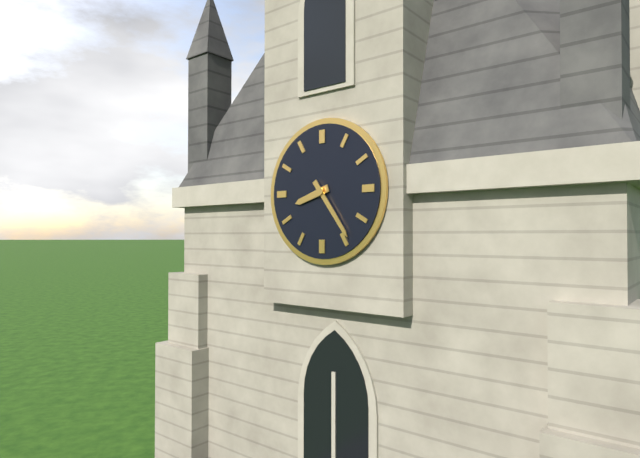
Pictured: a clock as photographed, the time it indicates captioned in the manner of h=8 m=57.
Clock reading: h=8 m=24
